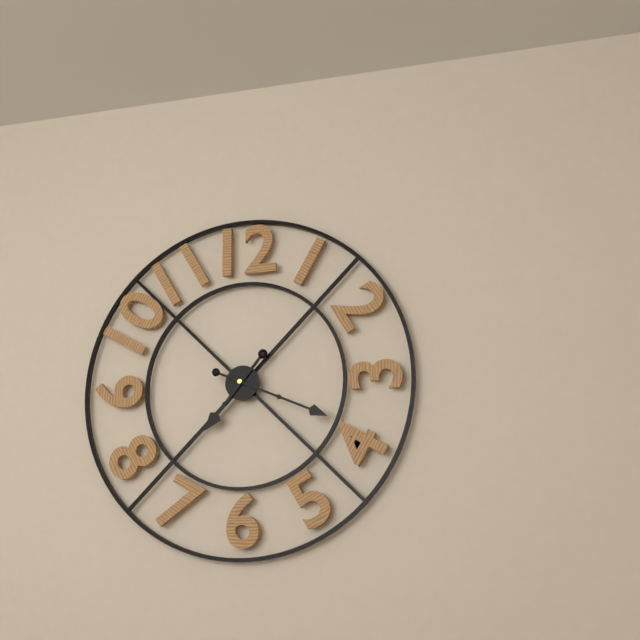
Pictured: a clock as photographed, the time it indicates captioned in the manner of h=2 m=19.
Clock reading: h=7 m=19
